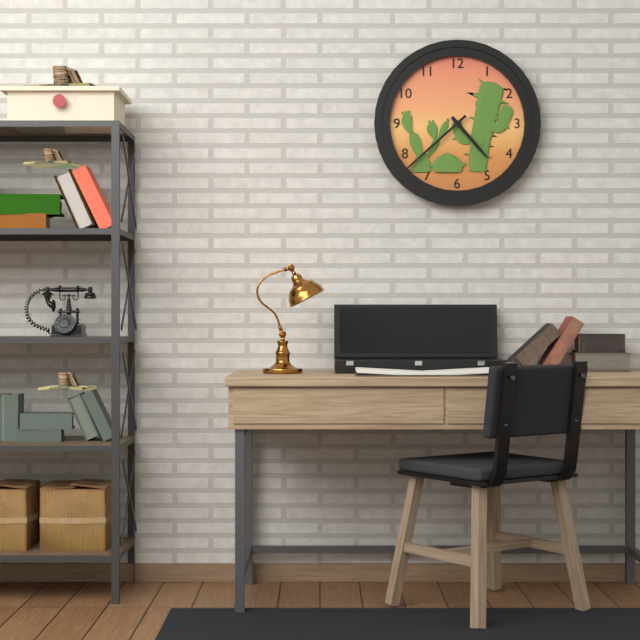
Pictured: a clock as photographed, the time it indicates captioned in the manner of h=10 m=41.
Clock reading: h=4 m=38
